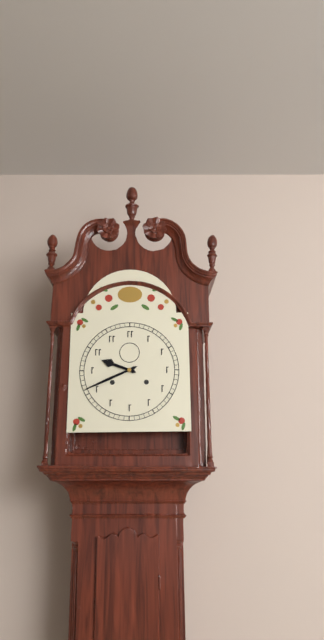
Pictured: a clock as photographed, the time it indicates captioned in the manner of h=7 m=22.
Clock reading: h=9 m=41
